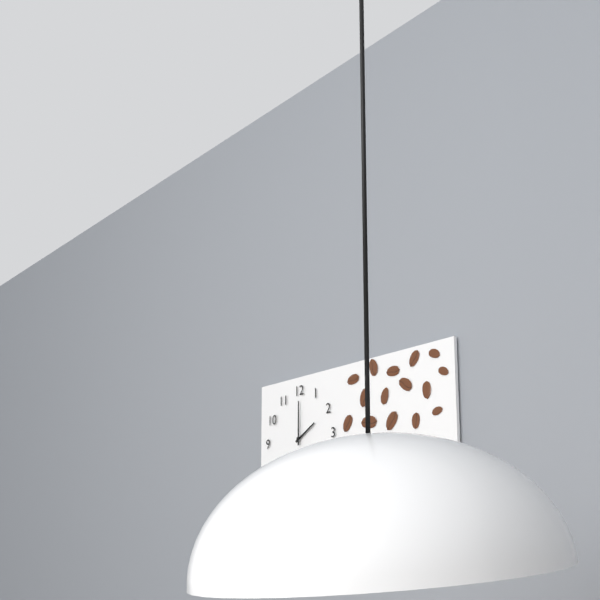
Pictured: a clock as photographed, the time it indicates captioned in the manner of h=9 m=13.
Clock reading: h=2 m=0
